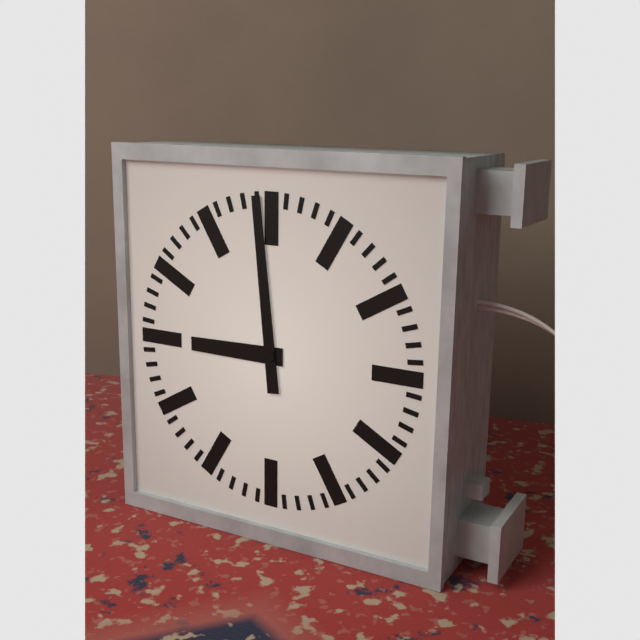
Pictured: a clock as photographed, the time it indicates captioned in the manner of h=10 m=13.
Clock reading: h=8 m=59
